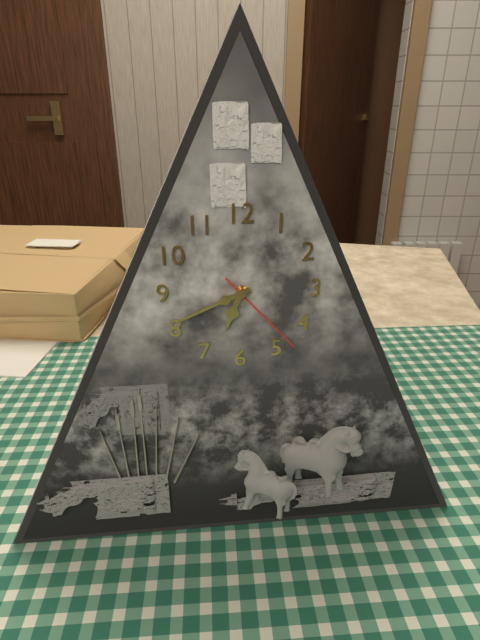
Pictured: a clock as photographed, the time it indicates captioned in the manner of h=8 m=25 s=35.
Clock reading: h=6 m=41 s=23
